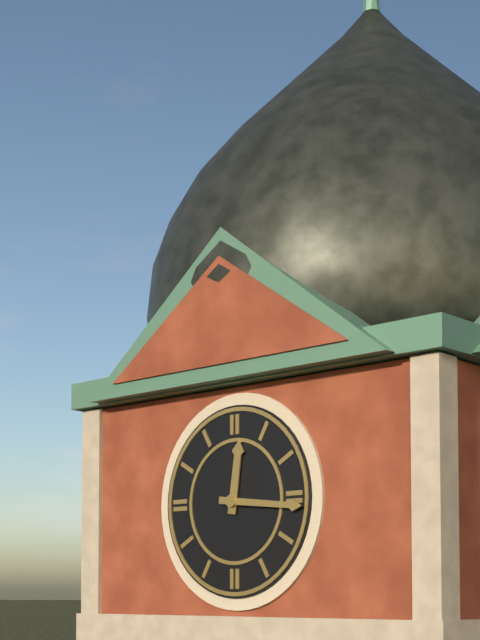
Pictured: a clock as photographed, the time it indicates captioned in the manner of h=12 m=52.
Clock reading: h=12 m=16
